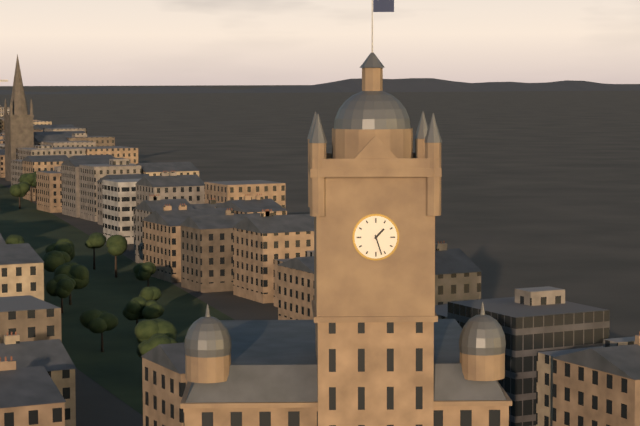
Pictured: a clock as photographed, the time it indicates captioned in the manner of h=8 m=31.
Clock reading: h=1 m=27
